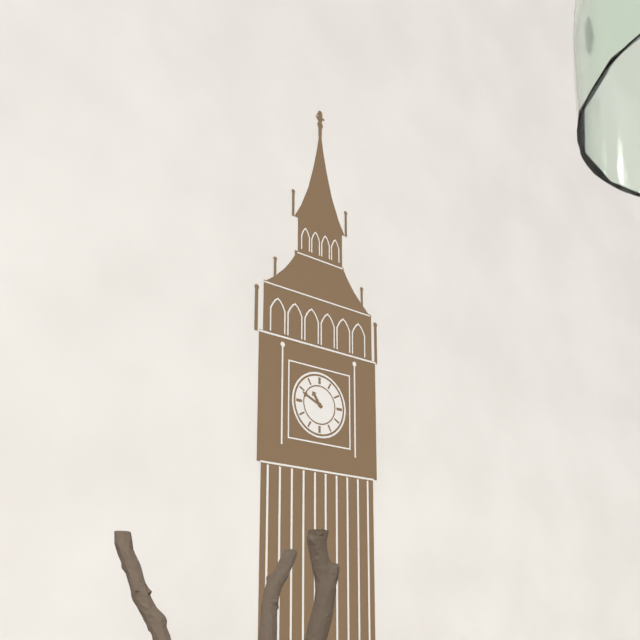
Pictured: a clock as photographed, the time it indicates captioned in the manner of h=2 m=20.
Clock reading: h=10 m=49
